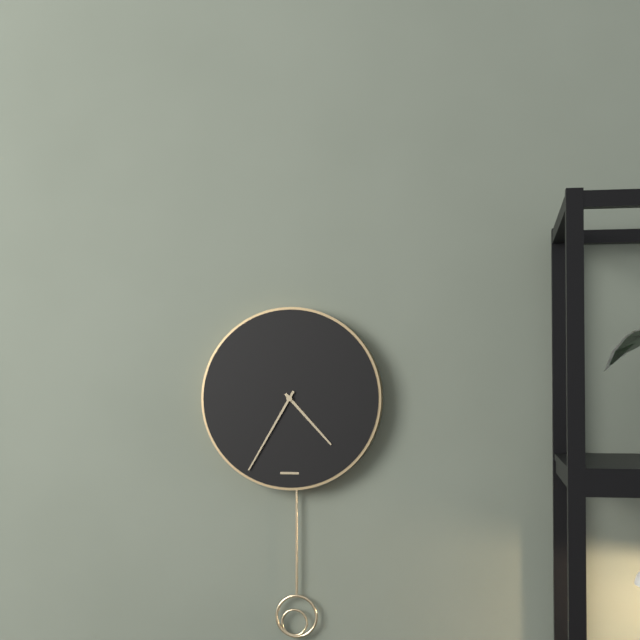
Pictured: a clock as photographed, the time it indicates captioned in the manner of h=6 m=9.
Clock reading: h=4 m=35
